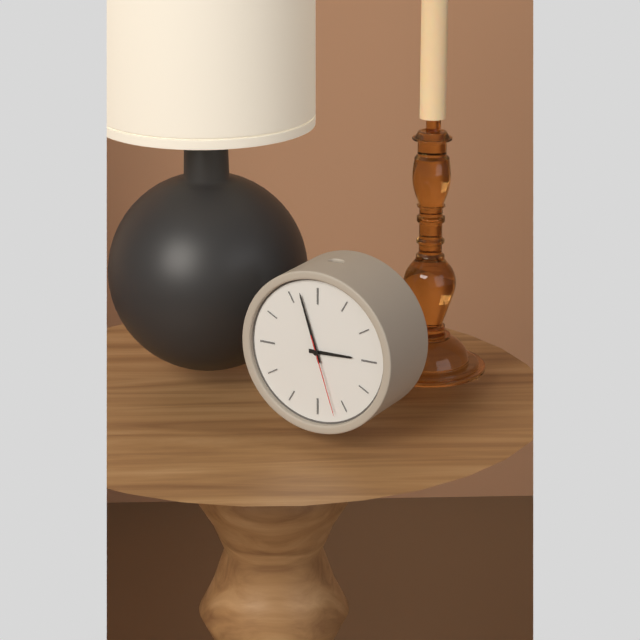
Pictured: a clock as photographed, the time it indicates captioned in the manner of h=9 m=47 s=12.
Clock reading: h=2 m=57 s=27
